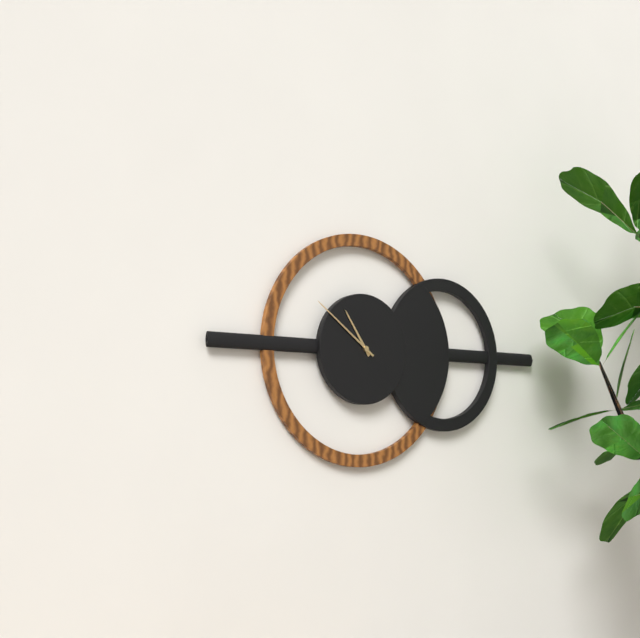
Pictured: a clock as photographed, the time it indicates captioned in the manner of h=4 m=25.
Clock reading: h=10 m=51
